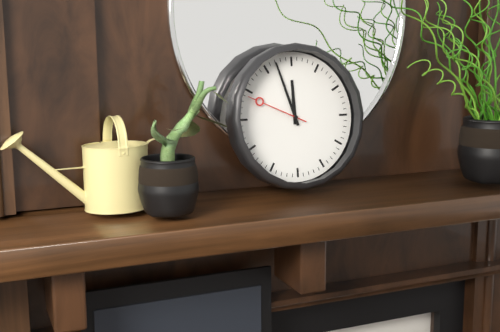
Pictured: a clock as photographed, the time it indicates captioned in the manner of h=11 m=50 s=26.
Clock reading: h=11 m=57 s=49
